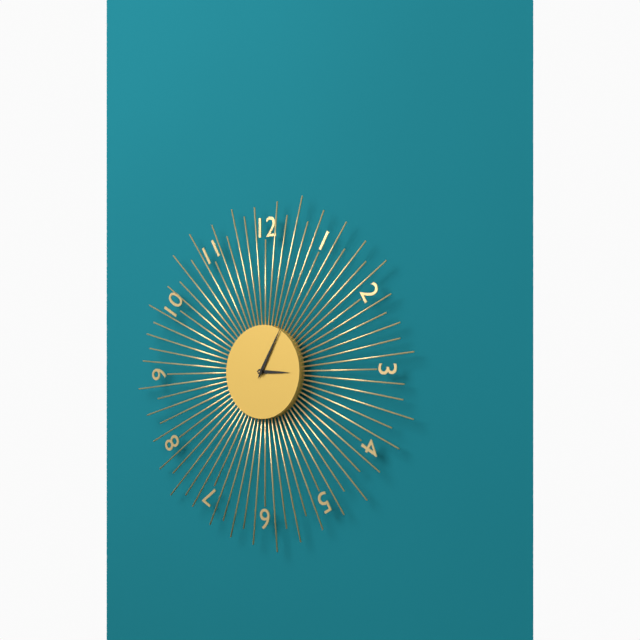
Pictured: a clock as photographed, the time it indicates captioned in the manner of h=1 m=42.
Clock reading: h=3 m=5
